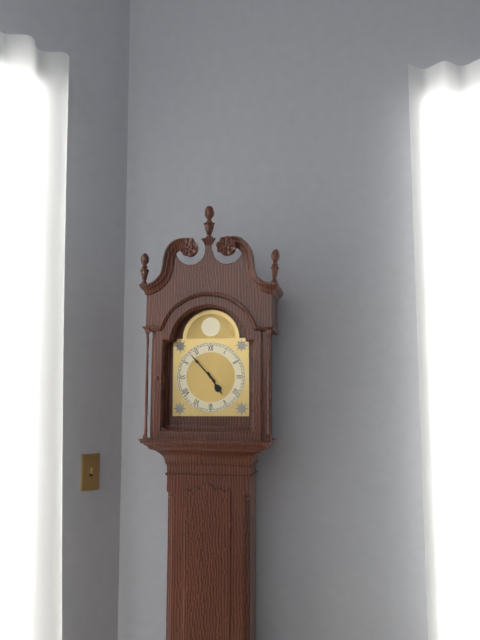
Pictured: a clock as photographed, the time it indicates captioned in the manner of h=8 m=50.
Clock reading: h=4 m=53
